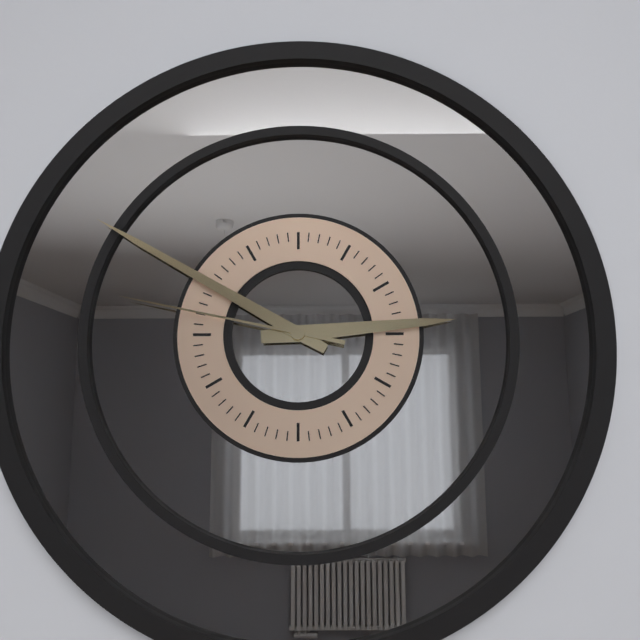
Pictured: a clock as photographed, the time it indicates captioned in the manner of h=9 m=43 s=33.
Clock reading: h=2 m=50 s=47
